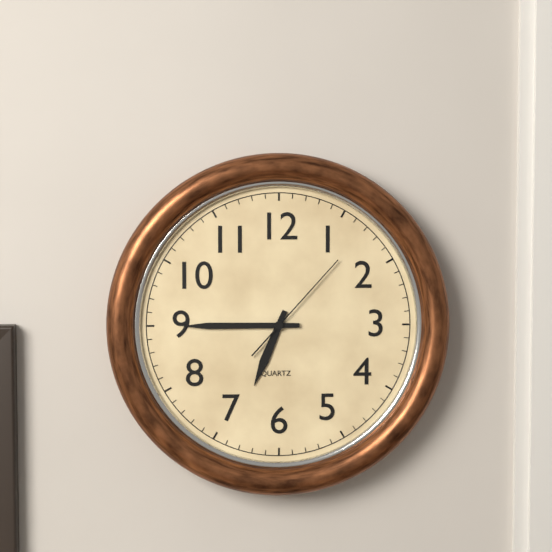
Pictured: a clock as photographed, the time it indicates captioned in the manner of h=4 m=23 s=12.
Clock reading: h=6 m=45 s=7
